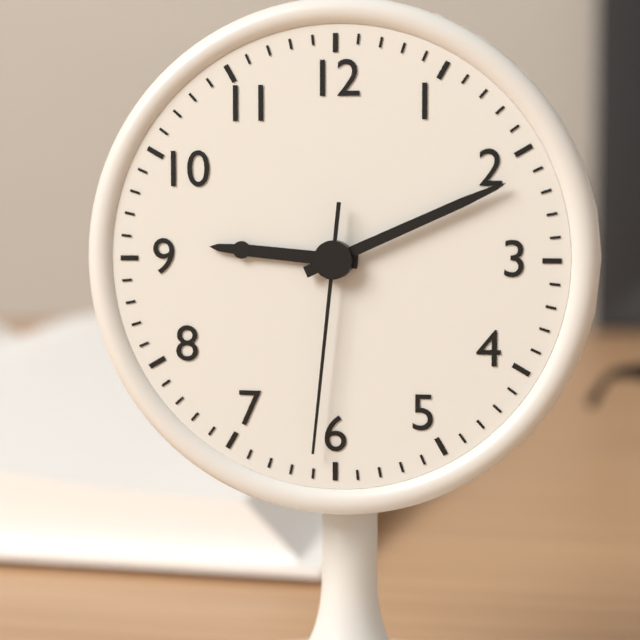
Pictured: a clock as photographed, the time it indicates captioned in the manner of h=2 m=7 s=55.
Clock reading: h=9 m=11 s=31
